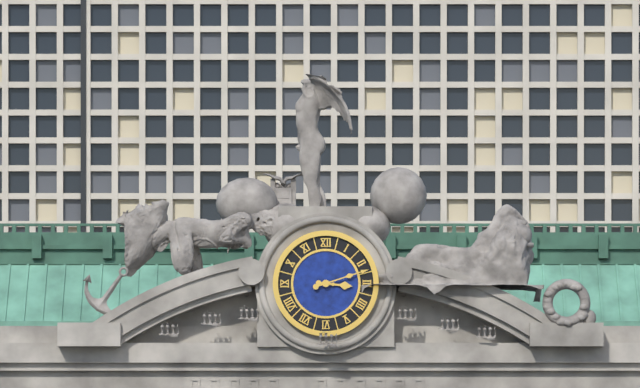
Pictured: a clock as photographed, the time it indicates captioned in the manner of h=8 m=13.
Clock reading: h=3 m=12
